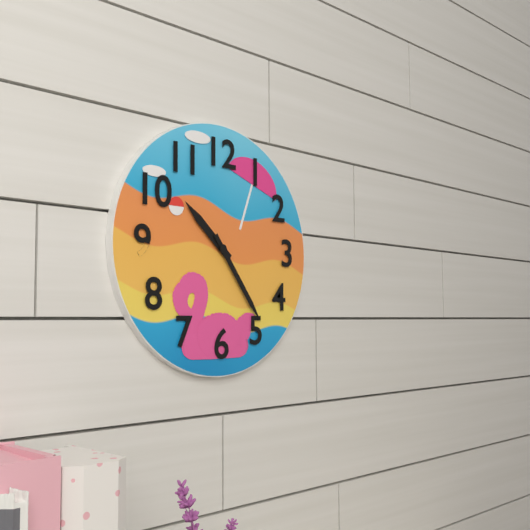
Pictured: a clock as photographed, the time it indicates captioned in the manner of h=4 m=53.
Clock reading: h=10 m=24
